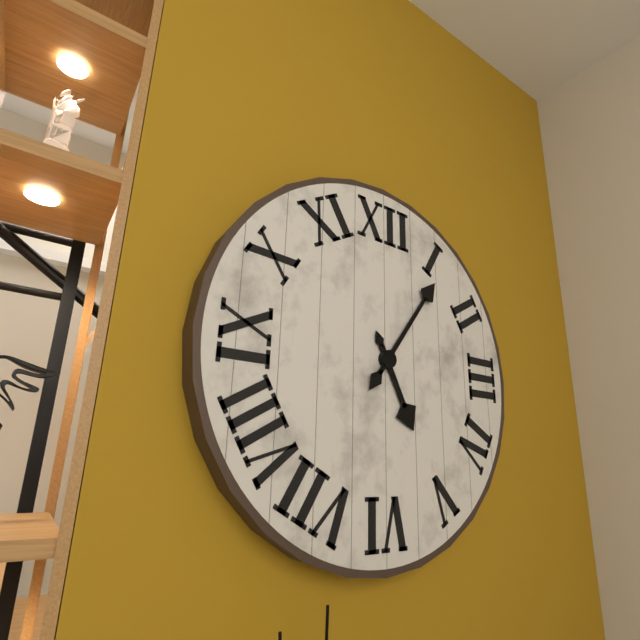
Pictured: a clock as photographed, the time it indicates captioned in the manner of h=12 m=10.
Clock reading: h=5 m=6
